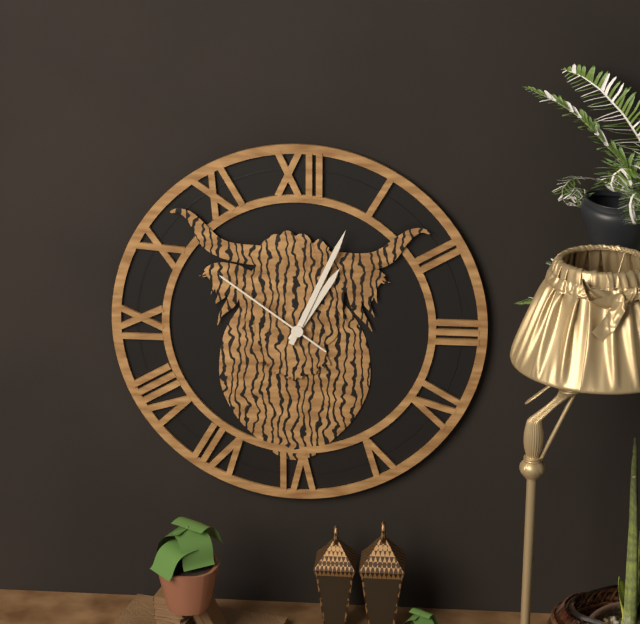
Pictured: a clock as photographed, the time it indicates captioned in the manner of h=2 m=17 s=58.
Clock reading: h=1 m=4 s=51
